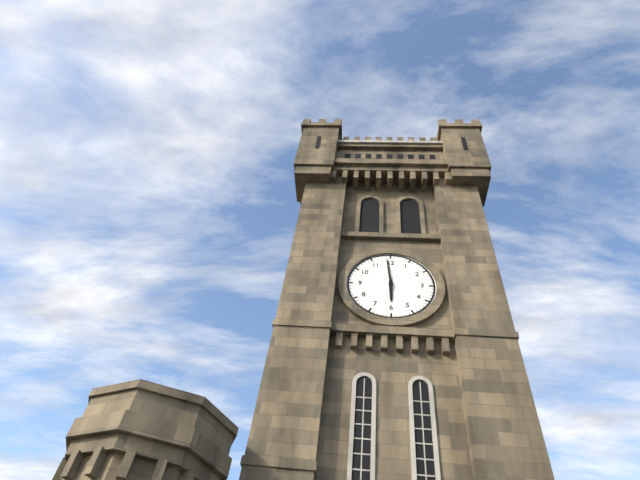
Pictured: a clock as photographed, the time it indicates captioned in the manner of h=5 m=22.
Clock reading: h=5 m=59
